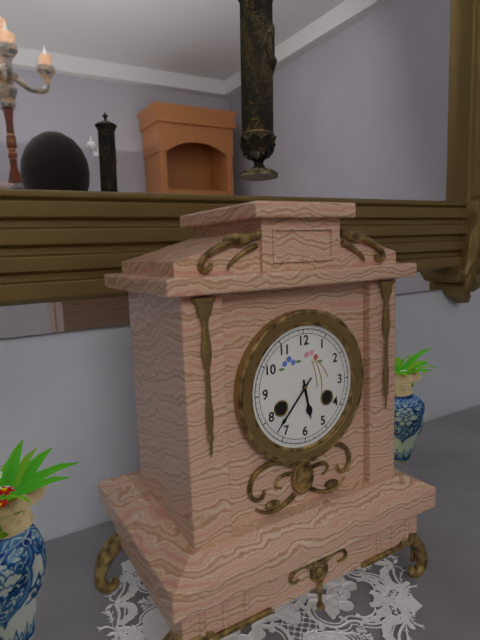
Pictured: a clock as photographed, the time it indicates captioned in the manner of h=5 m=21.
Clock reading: h=5 m=37
